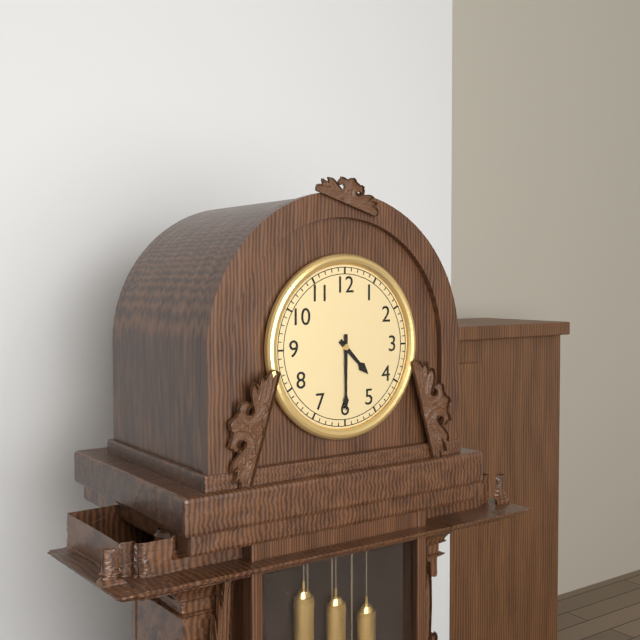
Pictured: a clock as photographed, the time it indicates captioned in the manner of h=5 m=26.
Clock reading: h=4 m=30
